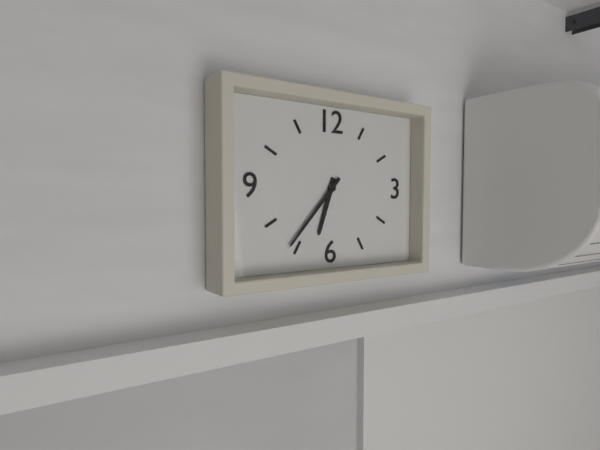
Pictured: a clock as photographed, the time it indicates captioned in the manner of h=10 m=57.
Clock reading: h=6 m=37
